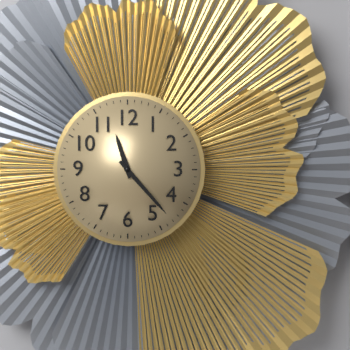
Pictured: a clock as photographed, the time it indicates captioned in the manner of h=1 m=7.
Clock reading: h=11 m=23
